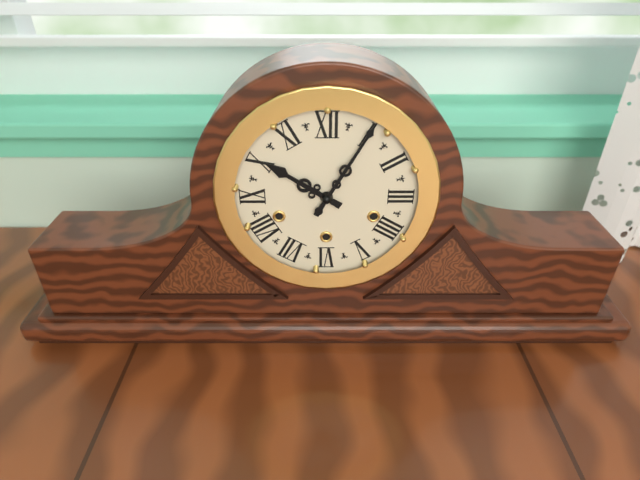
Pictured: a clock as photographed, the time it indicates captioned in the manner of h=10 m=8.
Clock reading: h=10 m=5
